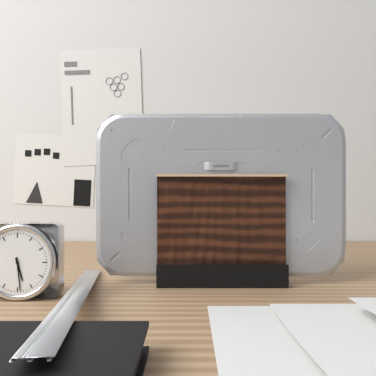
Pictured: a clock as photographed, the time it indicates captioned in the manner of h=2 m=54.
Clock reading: h=5 m=29
